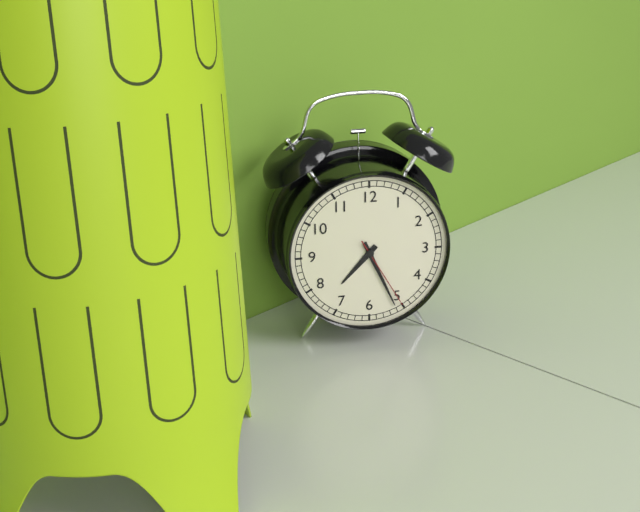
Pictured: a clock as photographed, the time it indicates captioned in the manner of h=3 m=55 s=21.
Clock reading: h=7 m=26 s=25
